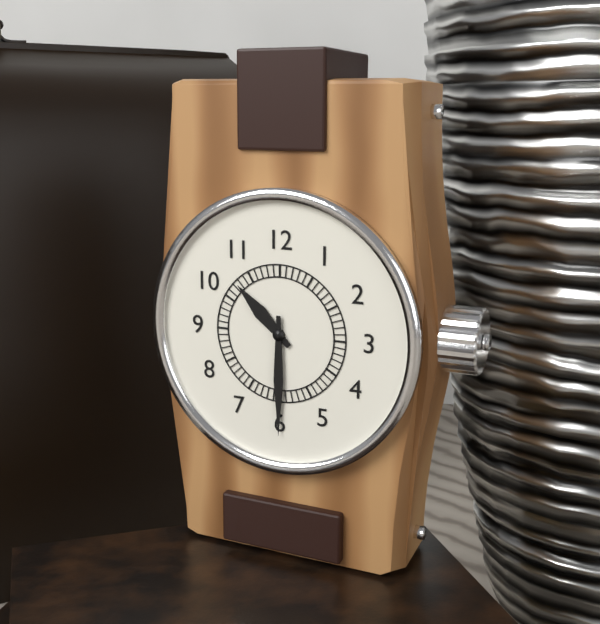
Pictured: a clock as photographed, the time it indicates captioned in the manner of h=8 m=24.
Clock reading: h=10 m=30
